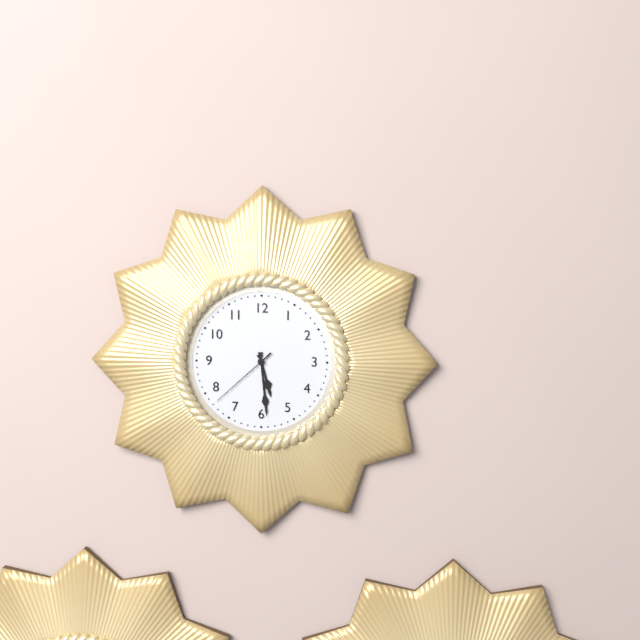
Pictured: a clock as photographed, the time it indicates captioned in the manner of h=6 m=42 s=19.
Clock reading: h=5 m=29 s=38
